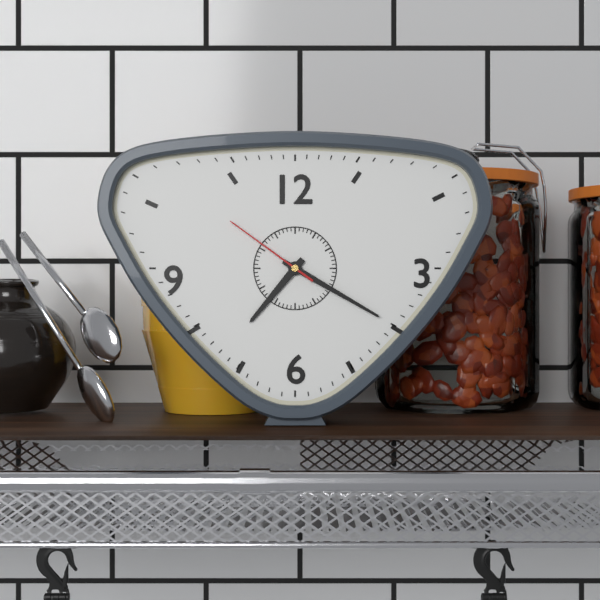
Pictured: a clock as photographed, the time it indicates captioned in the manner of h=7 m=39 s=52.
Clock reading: h=7 m=20 s=51
